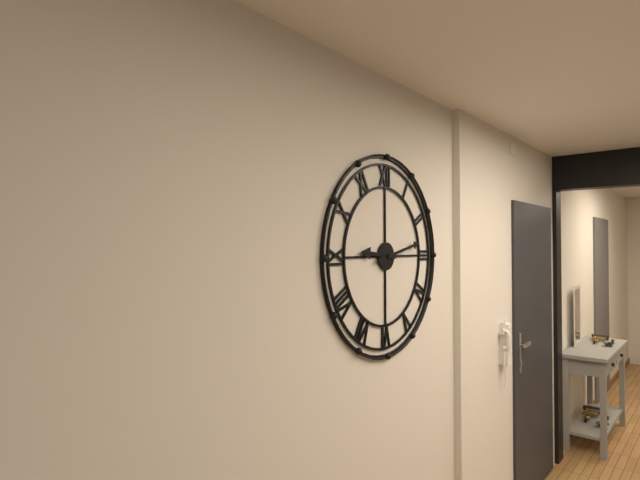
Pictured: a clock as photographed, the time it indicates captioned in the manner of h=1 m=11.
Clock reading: h=9 m=13
